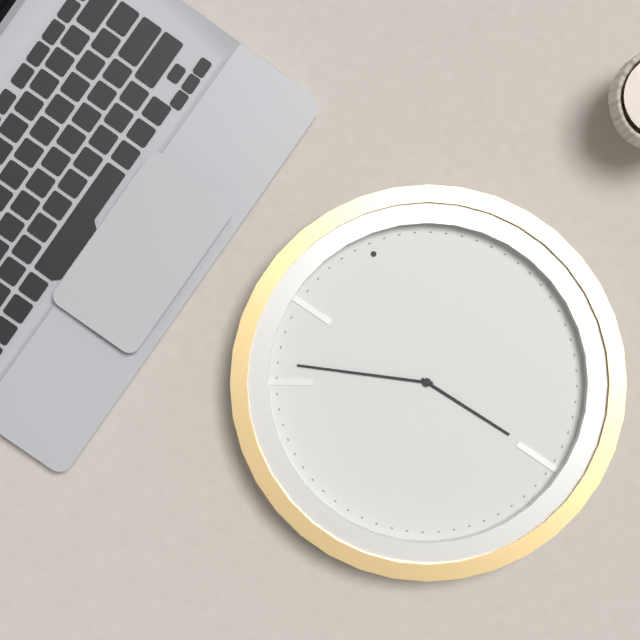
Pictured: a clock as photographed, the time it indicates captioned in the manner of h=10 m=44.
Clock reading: h=4 m=50
